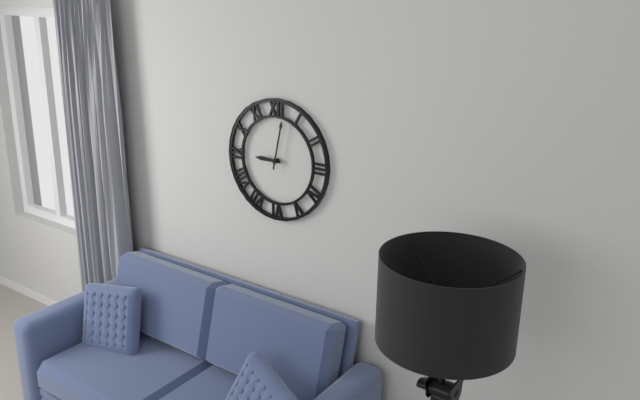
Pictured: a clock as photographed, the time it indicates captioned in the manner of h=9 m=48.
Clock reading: h=9 m=2
